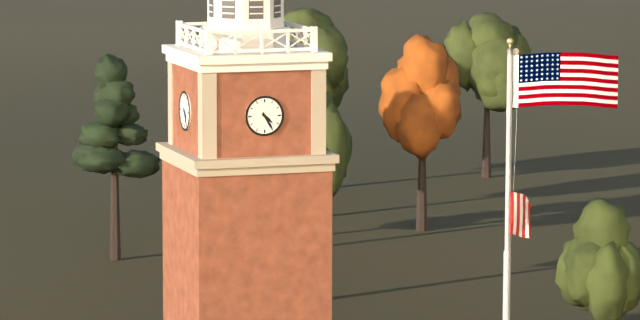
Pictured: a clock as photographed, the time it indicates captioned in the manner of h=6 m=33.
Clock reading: h=4 m=25
